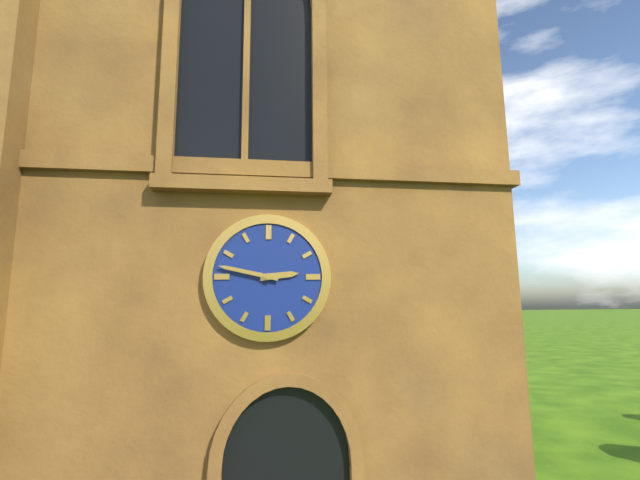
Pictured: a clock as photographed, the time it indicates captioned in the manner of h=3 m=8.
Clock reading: h=2 m=47
